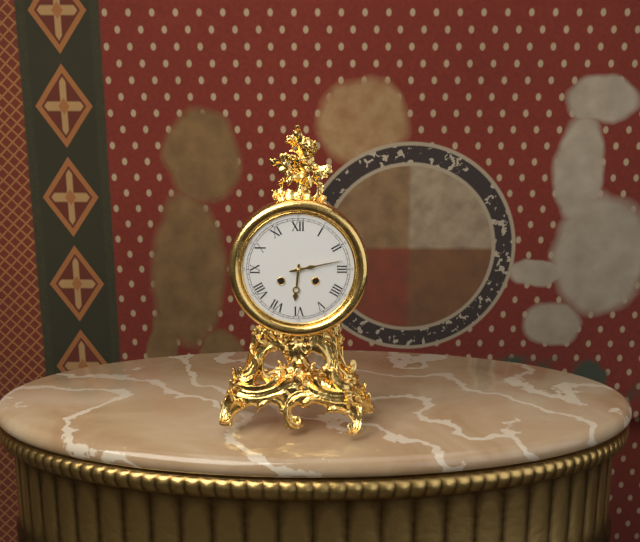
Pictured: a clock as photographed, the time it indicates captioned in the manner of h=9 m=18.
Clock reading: h=6 m=13
